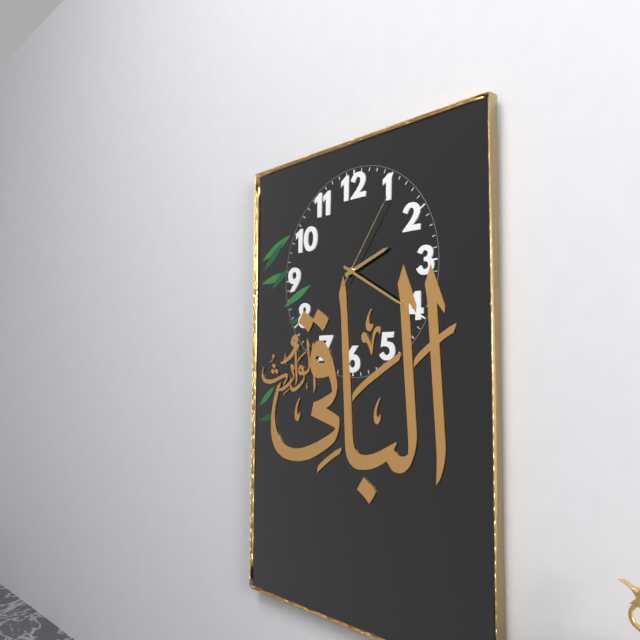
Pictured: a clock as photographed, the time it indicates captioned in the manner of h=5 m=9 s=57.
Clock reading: h=2 m=20 s=6
